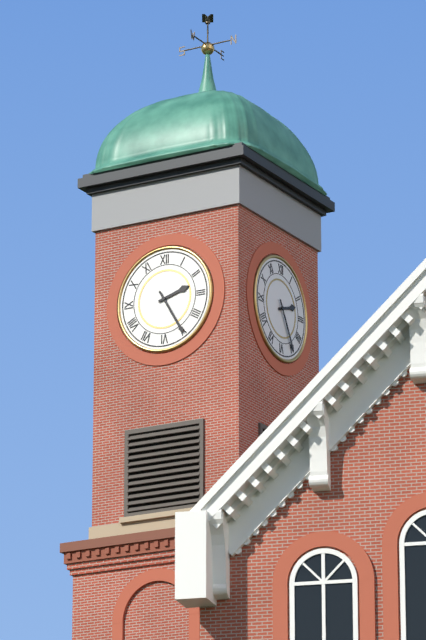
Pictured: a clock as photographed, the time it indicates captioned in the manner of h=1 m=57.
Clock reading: h=2 m=25
